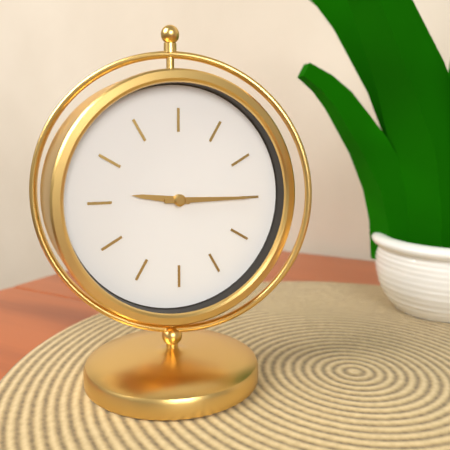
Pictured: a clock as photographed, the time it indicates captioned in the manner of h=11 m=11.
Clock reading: h=9 m=15
